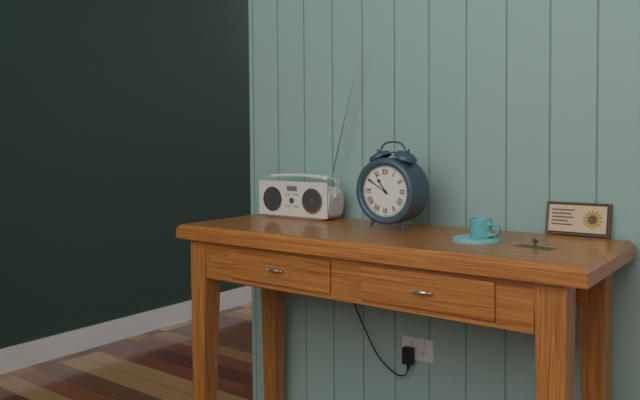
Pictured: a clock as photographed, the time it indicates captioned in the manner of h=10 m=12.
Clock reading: h=10 m=50
